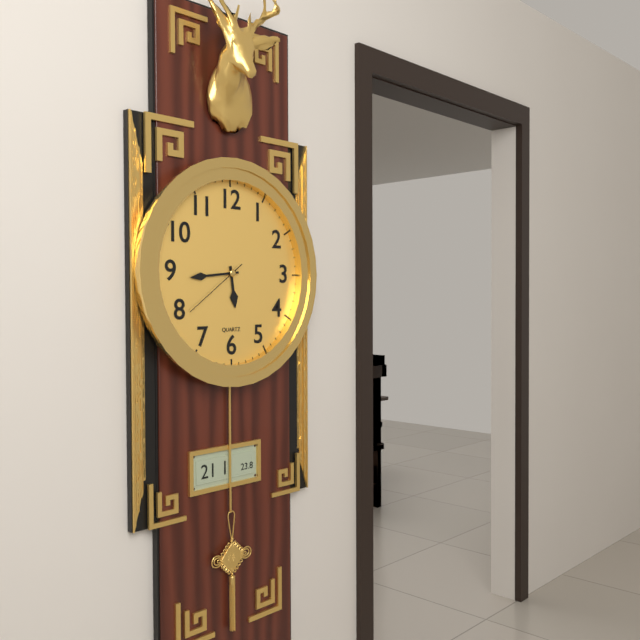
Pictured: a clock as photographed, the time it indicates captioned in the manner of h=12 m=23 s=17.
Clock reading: h=5 m=44 s=39
